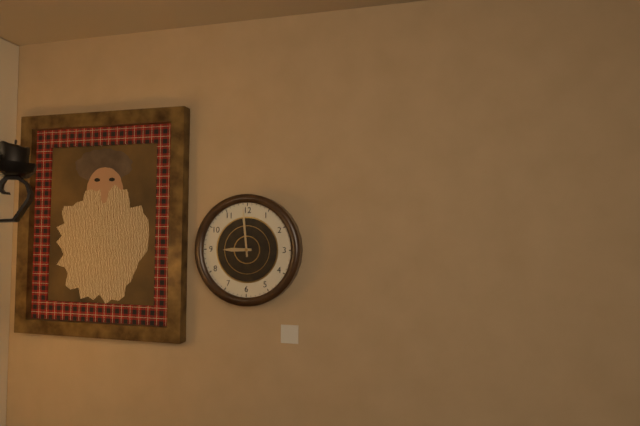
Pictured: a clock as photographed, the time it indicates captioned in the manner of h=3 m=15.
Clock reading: h=8 m=59
